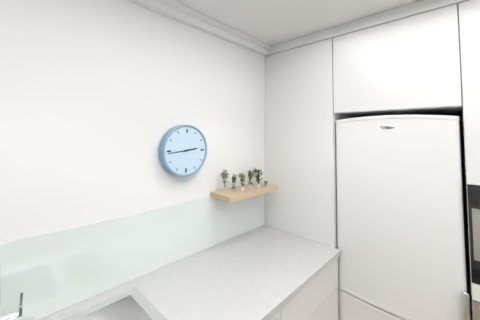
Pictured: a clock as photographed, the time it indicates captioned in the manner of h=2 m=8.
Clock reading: h=2 m=44
